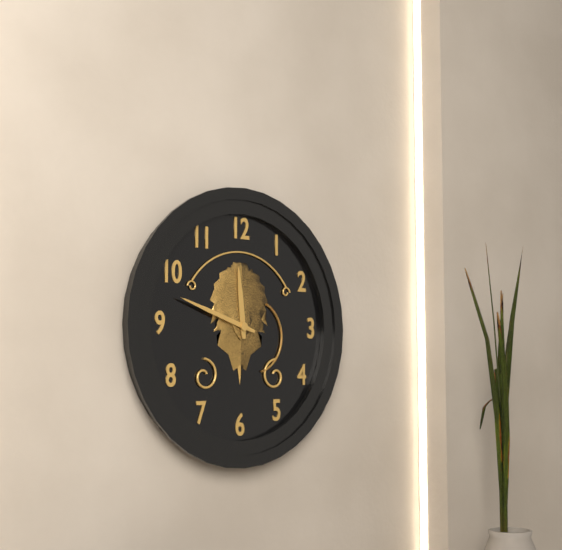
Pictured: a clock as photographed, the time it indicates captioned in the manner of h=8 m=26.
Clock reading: h=11 m=48
